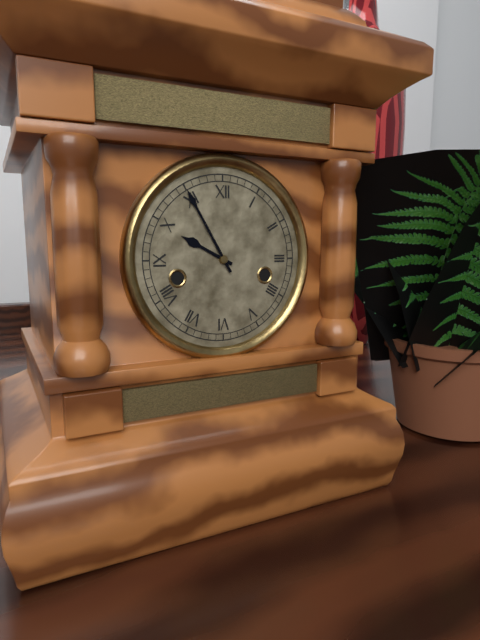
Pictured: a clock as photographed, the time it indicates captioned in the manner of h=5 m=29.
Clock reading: h=9 m=55
